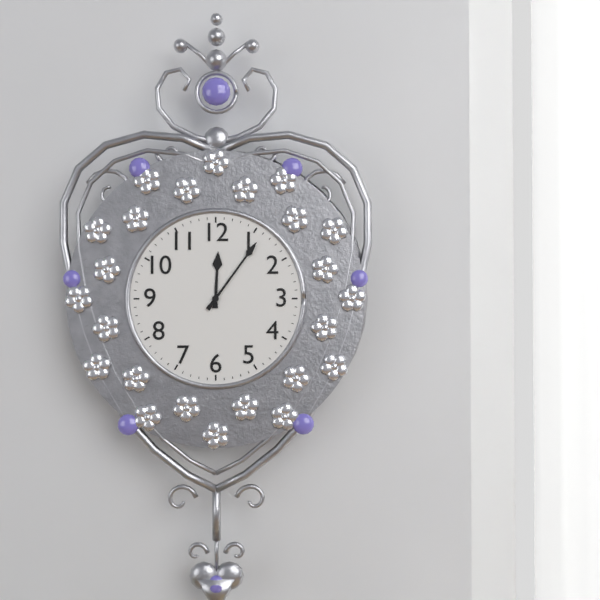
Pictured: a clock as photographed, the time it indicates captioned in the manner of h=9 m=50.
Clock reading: h=12 m=6
